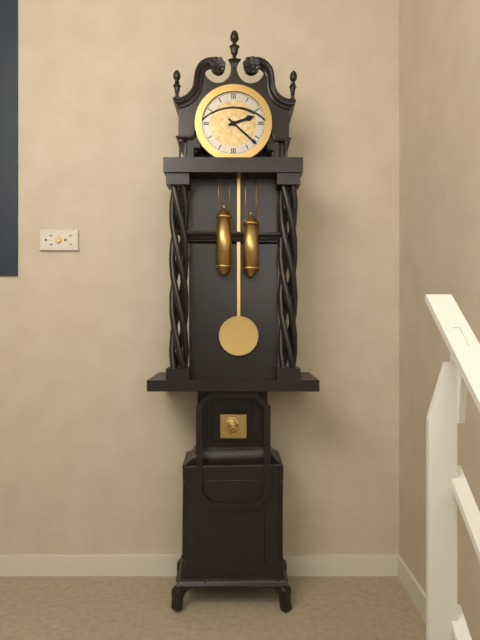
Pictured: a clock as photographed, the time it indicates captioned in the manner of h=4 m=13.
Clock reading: h=2 m=22
